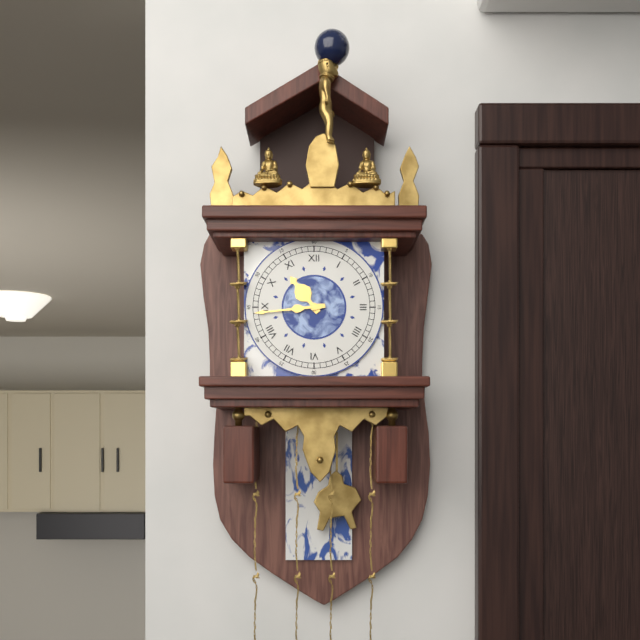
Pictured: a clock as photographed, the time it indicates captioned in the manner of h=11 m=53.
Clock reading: h=10 m=44
